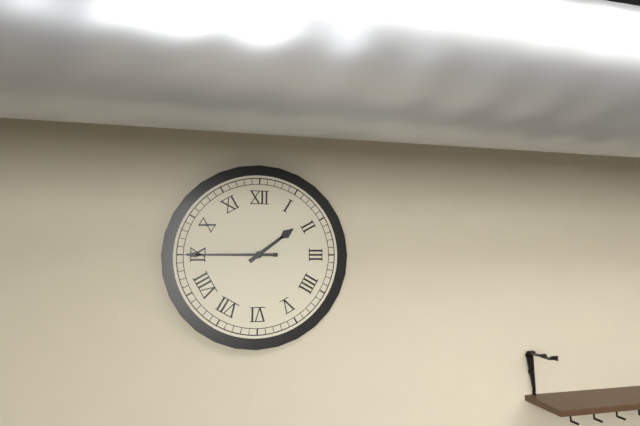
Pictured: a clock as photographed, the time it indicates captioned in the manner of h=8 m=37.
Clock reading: h=1 m=45
